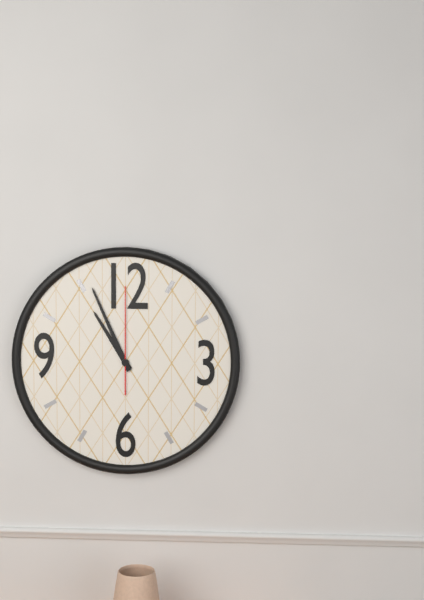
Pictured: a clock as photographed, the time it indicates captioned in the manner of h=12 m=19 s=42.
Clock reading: h=10 m=56 s=0
